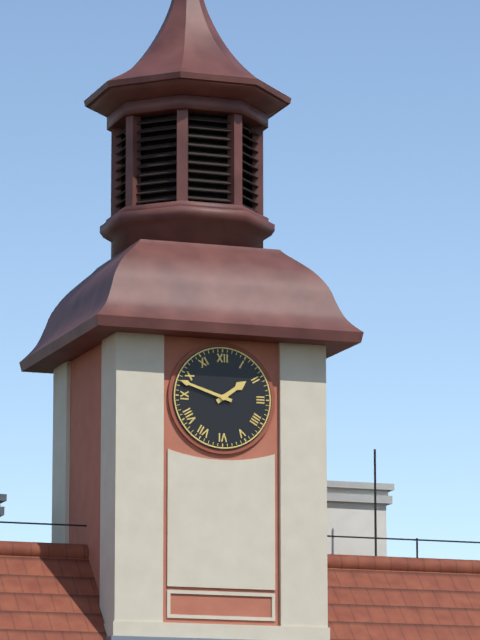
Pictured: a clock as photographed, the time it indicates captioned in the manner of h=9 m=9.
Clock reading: h=1 m=48
